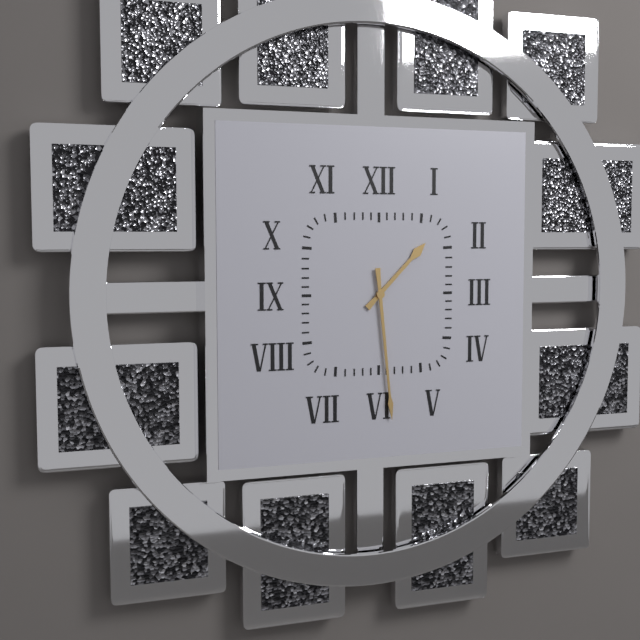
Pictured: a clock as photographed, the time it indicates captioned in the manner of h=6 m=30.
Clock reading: h=1 m=29
